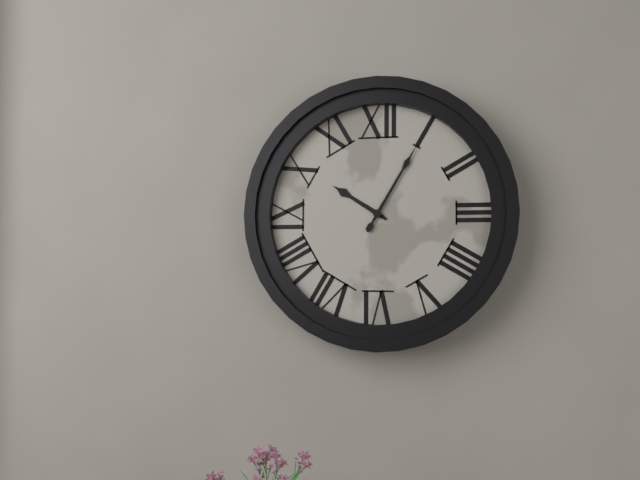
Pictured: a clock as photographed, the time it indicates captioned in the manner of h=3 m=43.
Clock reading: h=10 m=5
